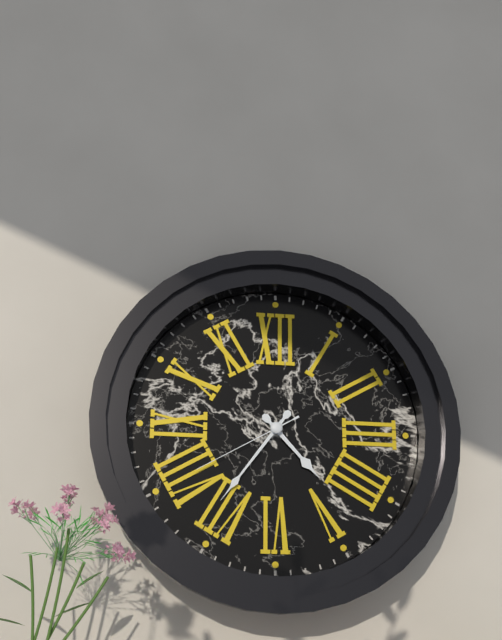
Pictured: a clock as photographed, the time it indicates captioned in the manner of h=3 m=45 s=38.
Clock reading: h=4 m=36 s=40
